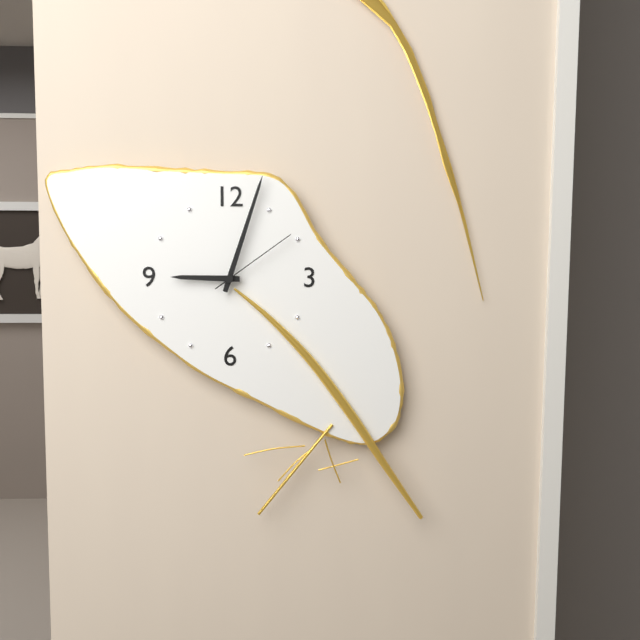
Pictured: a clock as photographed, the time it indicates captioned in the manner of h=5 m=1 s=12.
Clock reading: h=9 m=3 s=9
